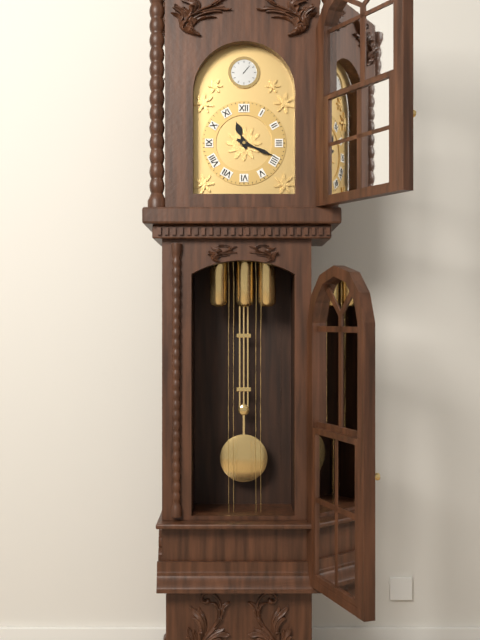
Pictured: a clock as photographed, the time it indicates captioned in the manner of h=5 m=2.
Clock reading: h=11 m=19
